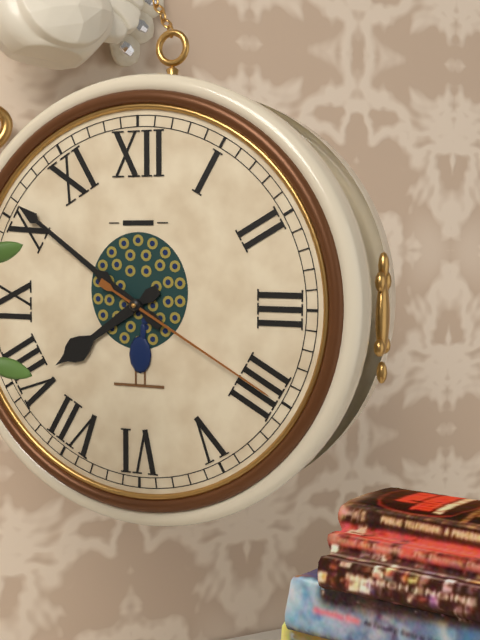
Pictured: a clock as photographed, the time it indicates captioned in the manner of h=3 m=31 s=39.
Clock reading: h=7 m=51 s=20
